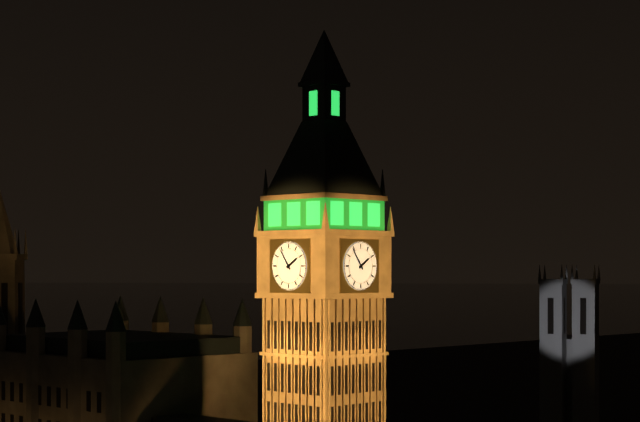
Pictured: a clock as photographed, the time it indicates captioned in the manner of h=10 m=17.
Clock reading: h=1 m=54
